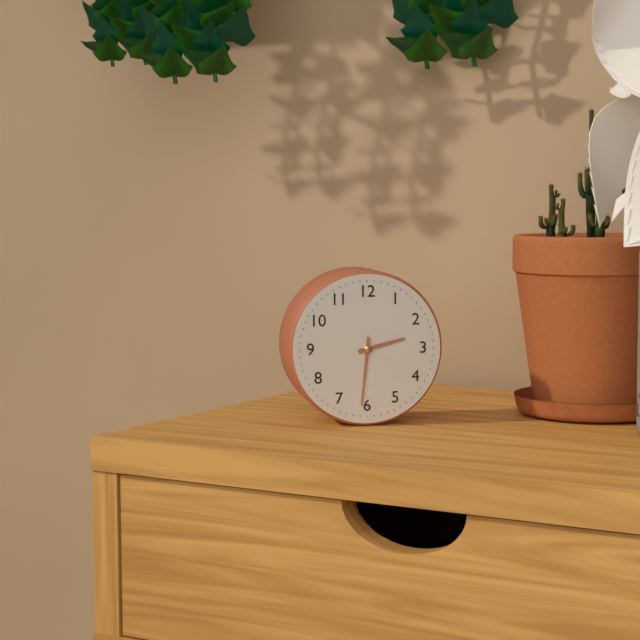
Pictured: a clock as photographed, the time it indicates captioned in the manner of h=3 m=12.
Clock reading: h=2 m=31
